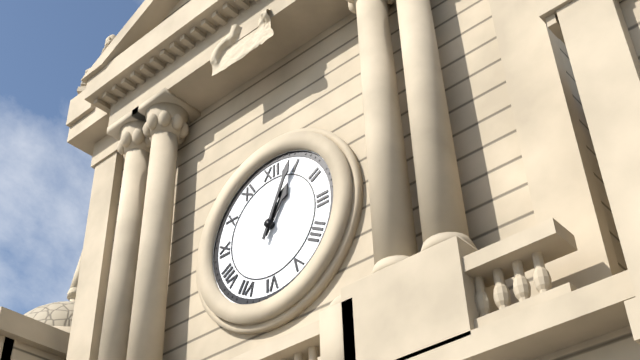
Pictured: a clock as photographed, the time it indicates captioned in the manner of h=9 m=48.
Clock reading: h=1 m=4
